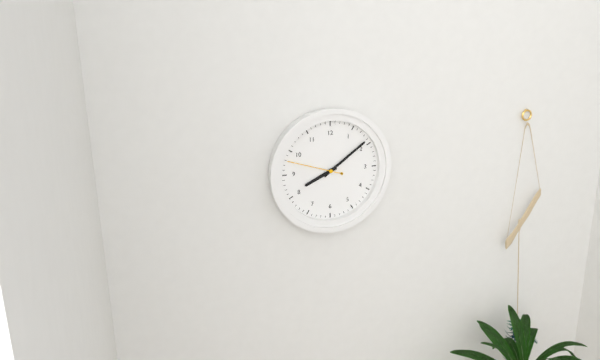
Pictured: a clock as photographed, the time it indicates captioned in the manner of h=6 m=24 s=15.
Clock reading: h=8 m=9 s=48
